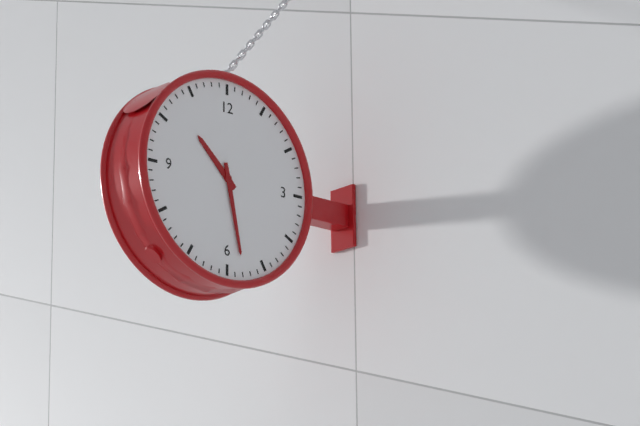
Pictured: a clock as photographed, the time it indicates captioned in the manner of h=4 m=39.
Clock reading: h=10 m=28
